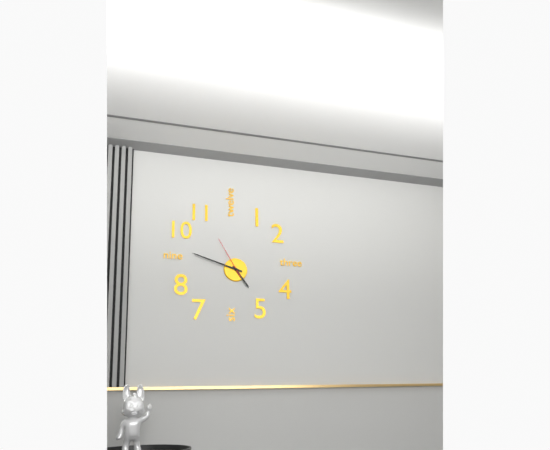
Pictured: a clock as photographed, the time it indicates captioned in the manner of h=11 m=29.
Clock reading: h=4 m=48
